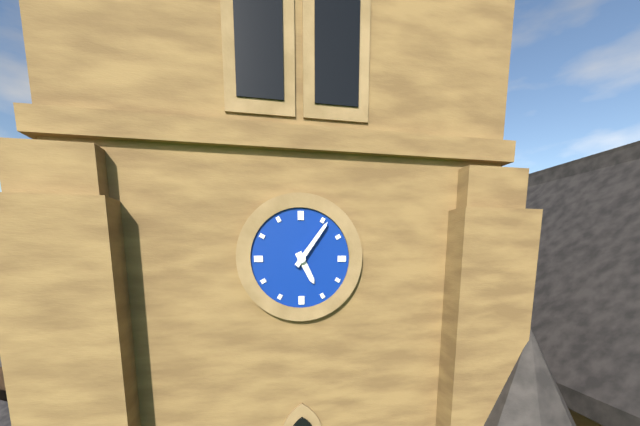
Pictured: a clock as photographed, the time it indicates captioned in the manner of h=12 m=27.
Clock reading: h=5 m=6
